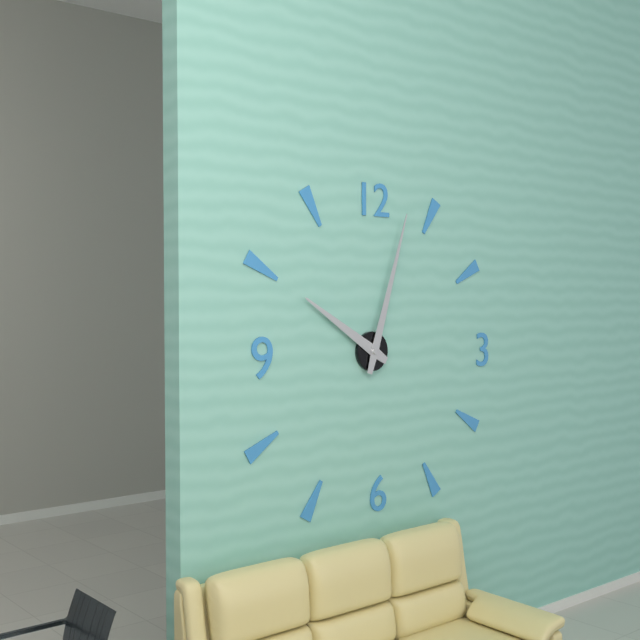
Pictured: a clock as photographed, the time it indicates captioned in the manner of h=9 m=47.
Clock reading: h=10 m=3
